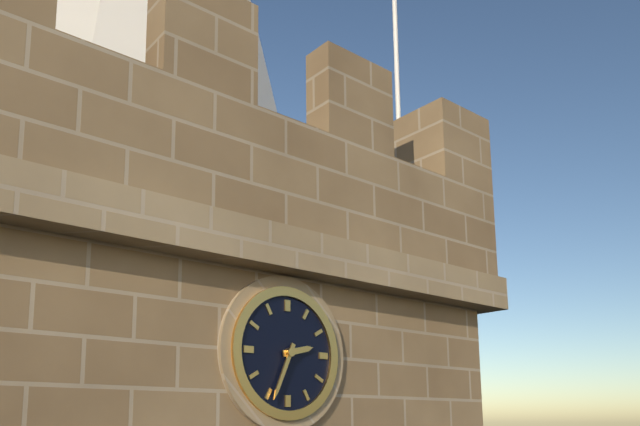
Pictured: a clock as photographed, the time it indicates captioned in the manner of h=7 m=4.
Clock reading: h=2 m=34
